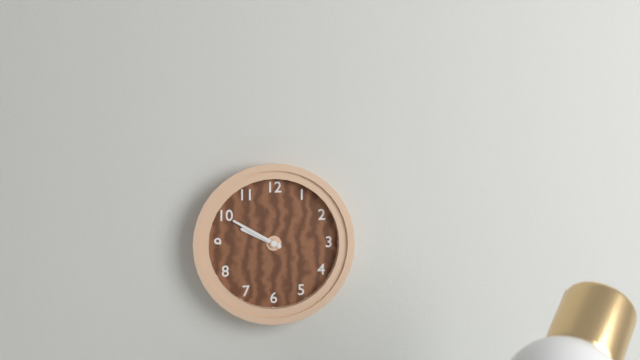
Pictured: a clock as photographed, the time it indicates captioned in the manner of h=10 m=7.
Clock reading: h=9 m=50
